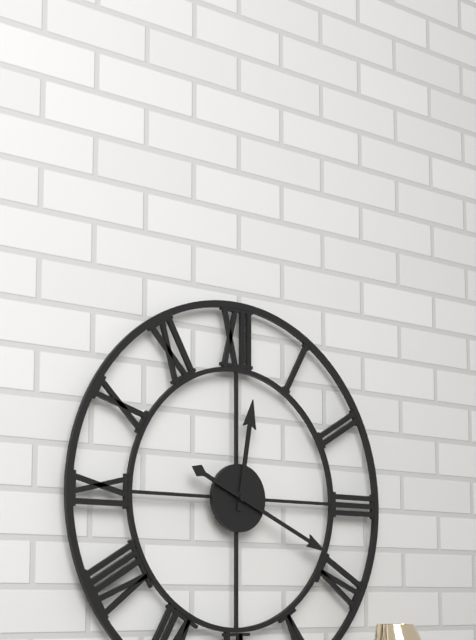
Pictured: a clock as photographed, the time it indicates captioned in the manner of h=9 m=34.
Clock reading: h=12 m=19
